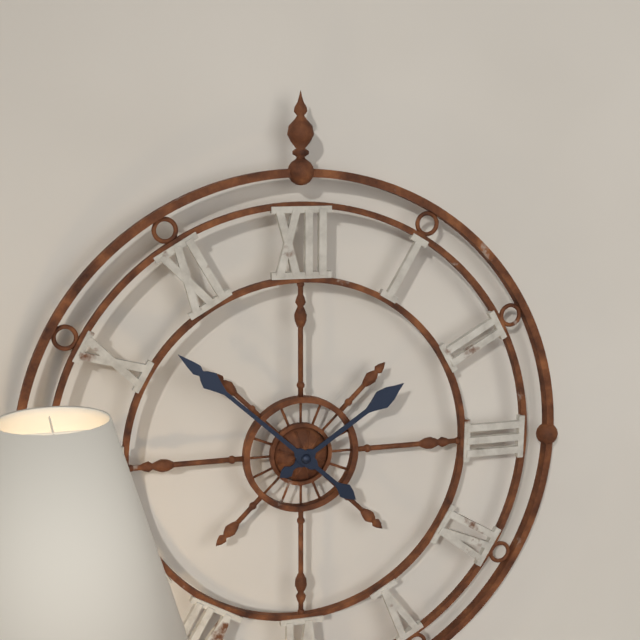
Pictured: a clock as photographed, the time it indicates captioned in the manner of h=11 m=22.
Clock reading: h=1 m=52
